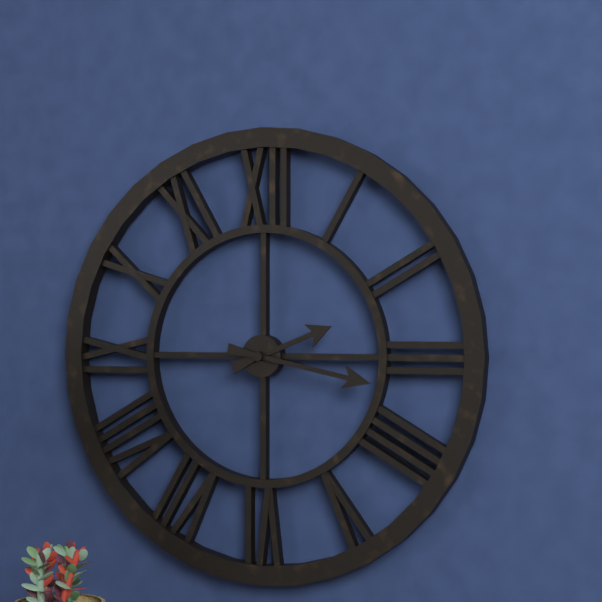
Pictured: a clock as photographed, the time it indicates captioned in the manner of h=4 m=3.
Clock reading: h=2 m=17
